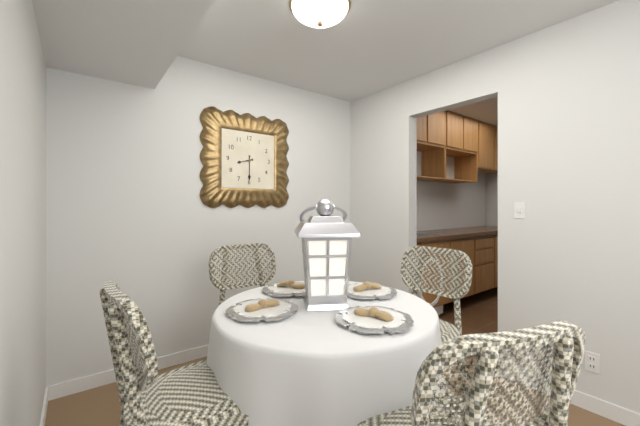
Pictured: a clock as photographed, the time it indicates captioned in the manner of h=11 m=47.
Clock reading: h=8 m=30
